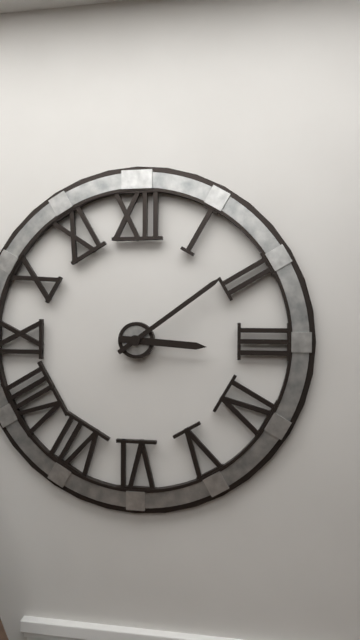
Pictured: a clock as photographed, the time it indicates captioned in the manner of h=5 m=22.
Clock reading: h=3 m=9
